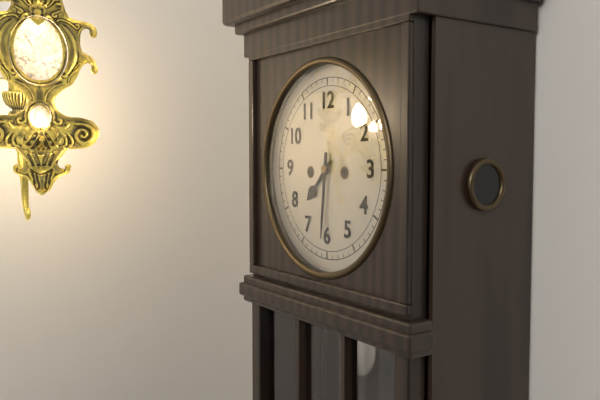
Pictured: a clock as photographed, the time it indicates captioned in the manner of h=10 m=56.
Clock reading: h=7 m=31
